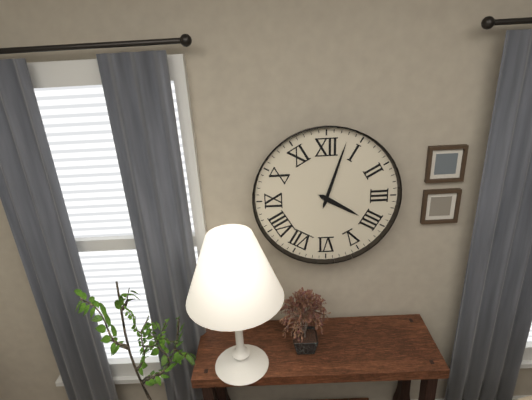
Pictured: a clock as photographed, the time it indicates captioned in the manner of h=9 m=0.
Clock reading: h=4 m=3
